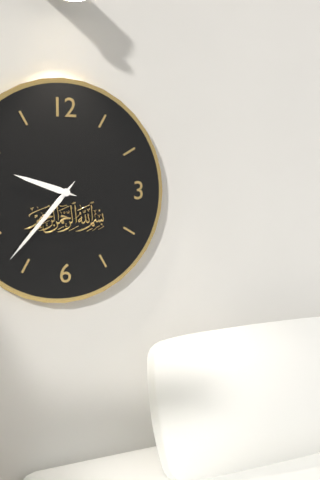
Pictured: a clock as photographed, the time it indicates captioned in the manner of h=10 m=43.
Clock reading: h=9 m=37
